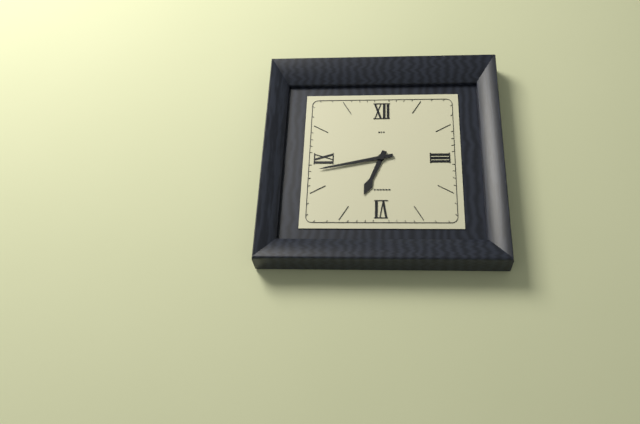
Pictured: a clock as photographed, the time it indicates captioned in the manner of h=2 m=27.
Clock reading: h=6 m=43
